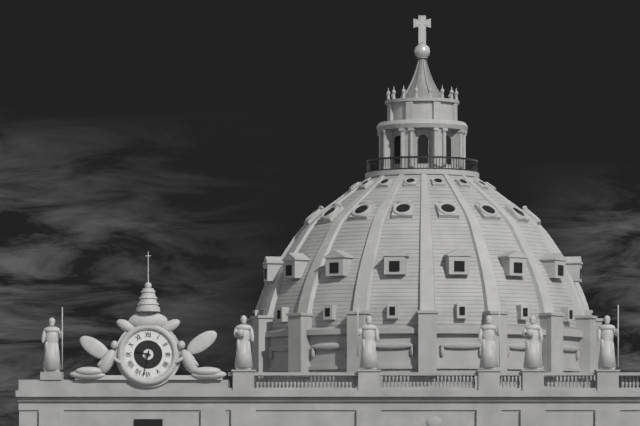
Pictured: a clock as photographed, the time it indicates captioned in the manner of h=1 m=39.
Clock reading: h=9 m=32
